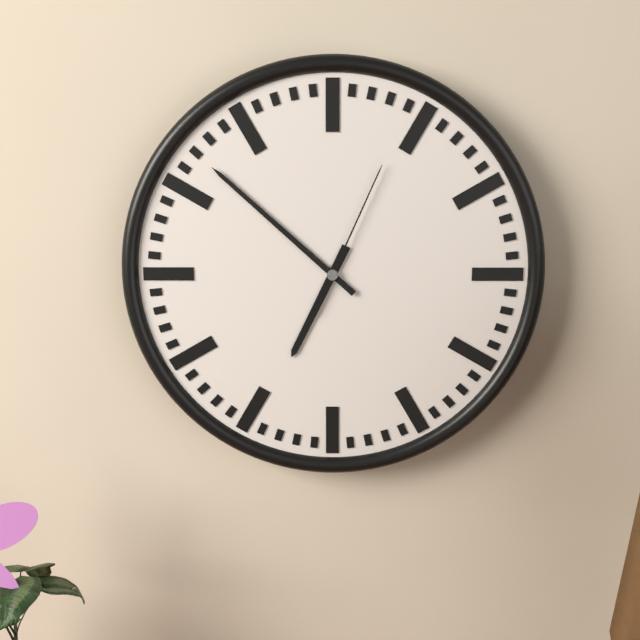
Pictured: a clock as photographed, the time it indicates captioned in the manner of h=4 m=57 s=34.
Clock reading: h=6 m=52 s=4
